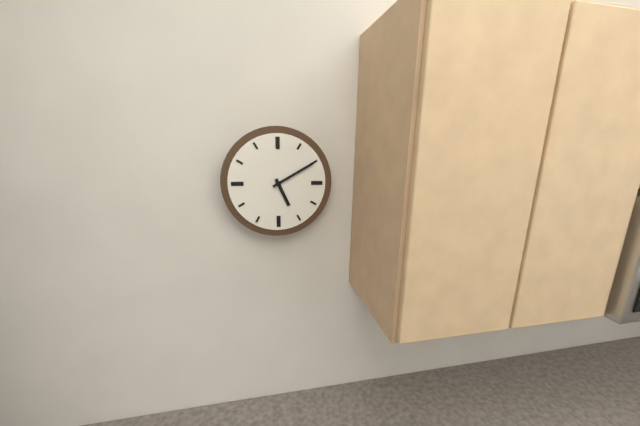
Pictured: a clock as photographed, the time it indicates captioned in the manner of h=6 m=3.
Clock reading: h=5 m=10
